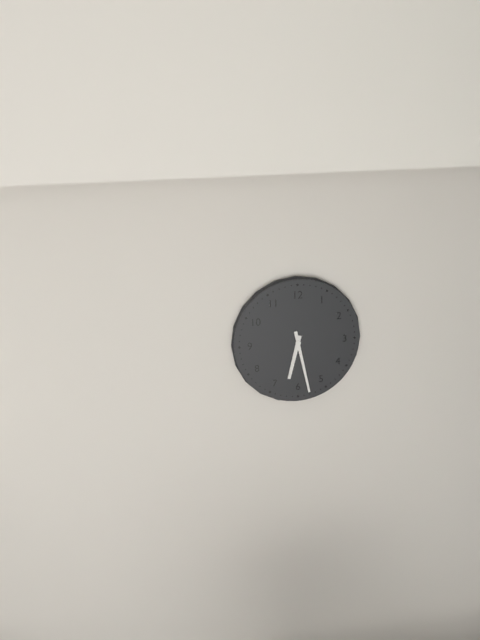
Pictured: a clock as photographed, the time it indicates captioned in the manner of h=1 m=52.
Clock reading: h=6 m=28
